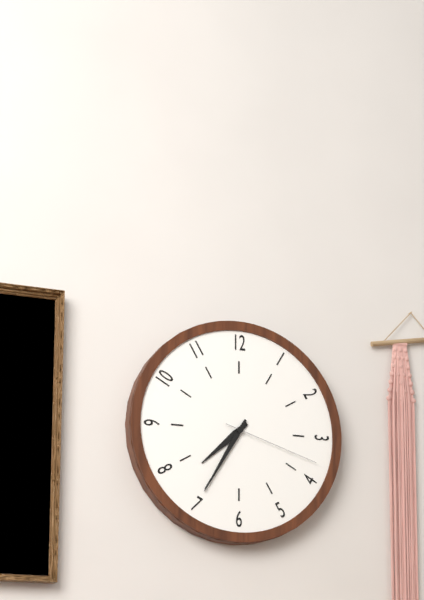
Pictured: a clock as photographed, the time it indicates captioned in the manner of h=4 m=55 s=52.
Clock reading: h=7 m=35 s=18
